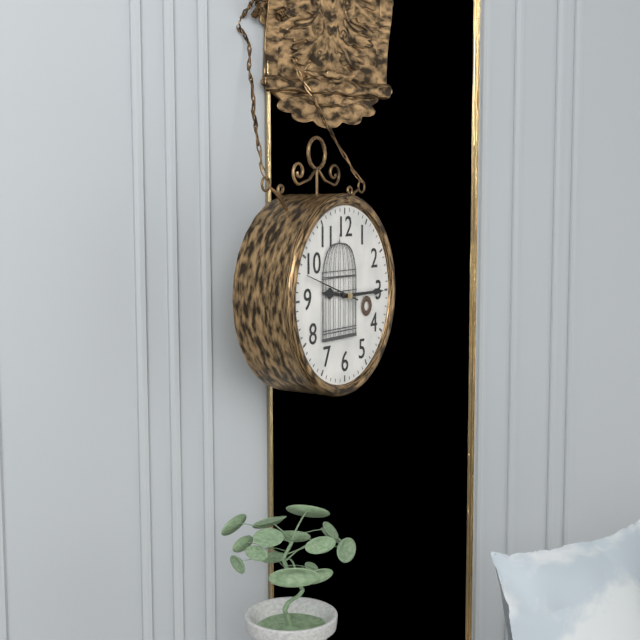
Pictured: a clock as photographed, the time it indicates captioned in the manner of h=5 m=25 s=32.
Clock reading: h=9 m=15 s=48
